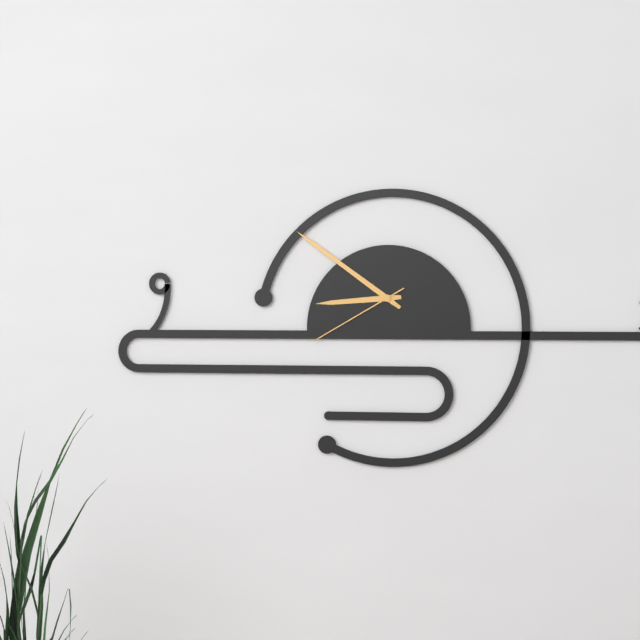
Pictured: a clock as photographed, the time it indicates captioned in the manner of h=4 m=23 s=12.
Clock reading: h=8 m=51 s=40
